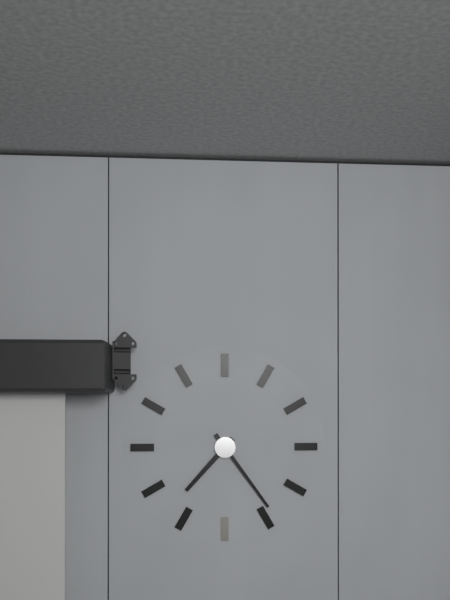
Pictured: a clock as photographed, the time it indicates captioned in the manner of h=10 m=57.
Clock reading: h=7 m=24
